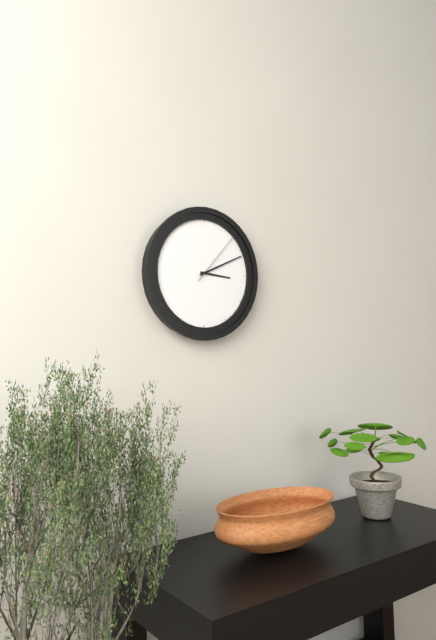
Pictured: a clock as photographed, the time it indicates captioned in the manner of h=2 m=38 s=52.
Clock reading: h=3 m=11 s=7
